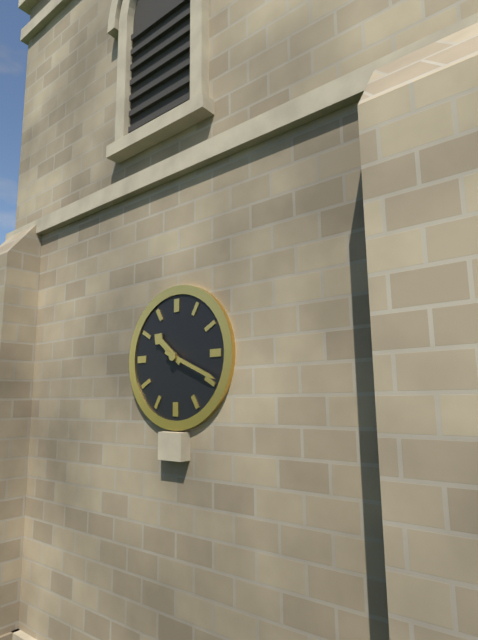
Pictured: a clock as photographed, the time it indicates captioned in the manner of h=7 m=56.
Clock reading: h=10 m=19
